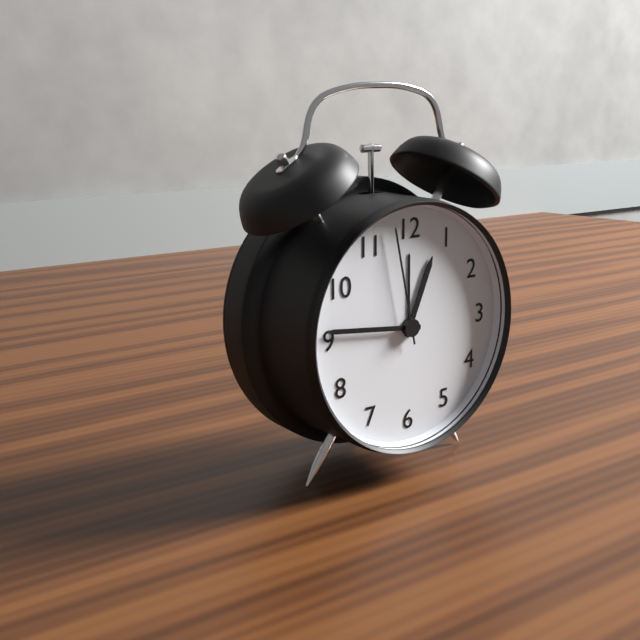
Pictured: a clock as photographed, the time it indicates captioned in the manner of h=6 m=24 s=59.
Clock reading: h=12 m=46 s=58
